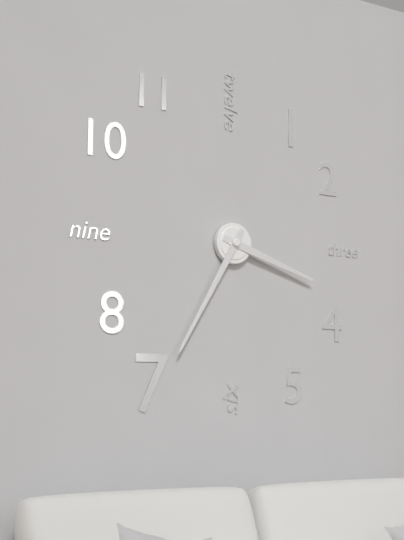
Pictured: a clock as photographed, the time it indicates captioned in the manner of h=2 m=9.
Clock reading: h=3 m=35
